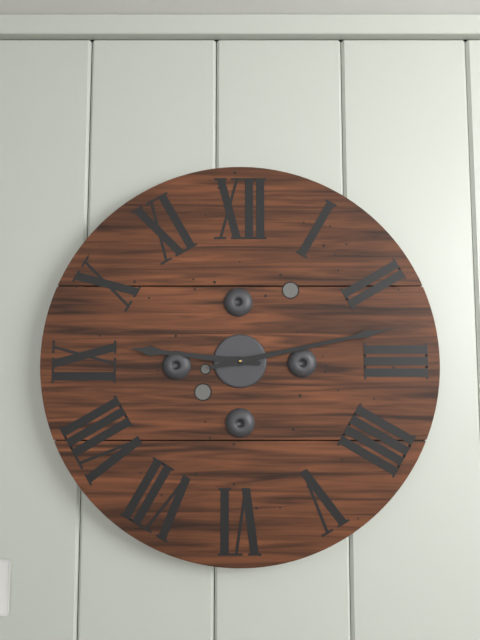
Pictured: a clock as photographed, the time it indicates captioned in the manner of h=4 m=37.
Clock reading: h=9 m=13
